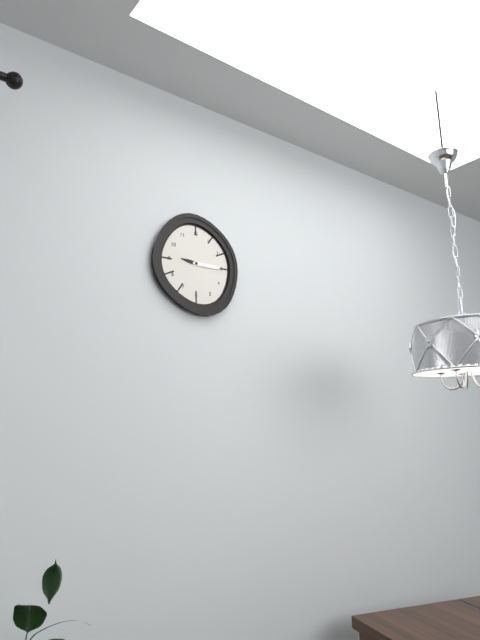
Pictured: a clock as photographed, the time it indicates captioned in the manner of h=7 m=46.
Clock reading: h=9 m=15
